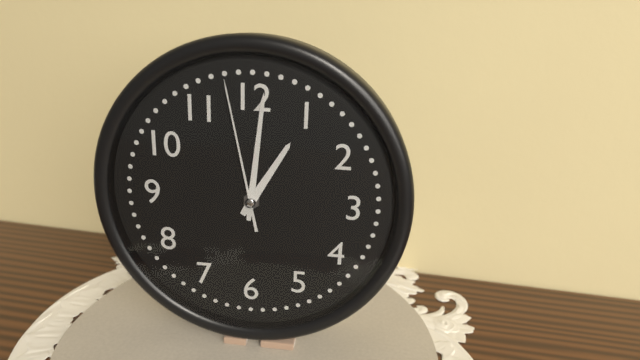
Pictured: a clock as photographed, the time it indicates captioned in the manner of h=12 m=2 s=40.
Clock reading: h=1 m=1 s=58
